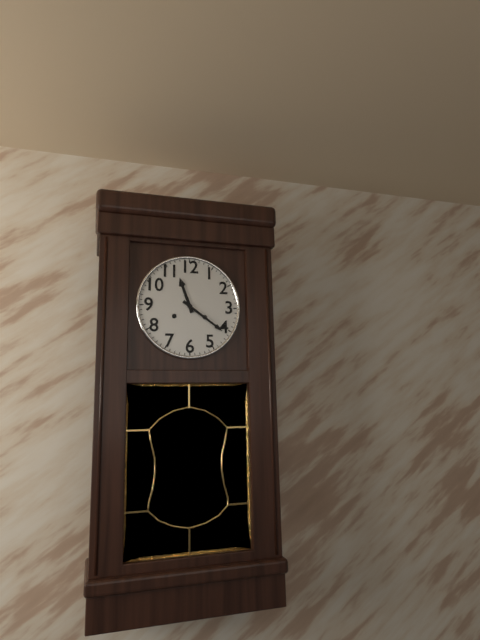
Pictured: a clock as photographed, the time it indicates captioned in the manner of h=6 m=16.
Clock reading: h=11 m=21
